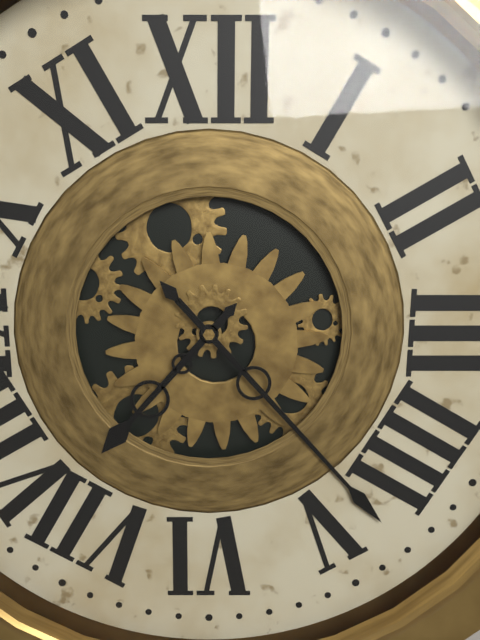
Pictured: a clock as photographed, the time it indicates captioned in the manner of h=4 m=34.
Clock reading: h=7 m=23
